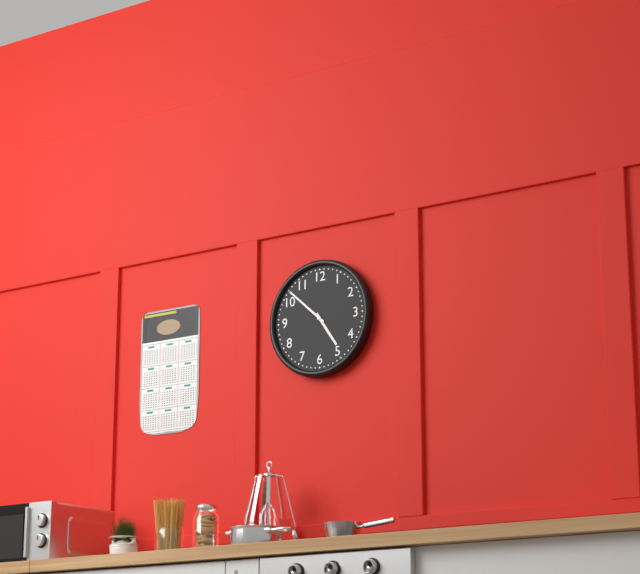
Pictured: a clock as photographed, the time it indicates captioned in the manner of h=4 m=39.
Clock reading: h=4 m=52
